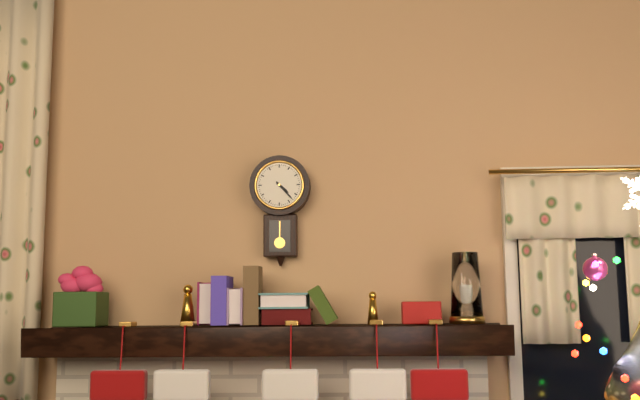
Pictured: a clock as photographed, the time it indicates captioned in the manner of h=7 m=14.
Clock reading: h=4 m=23
